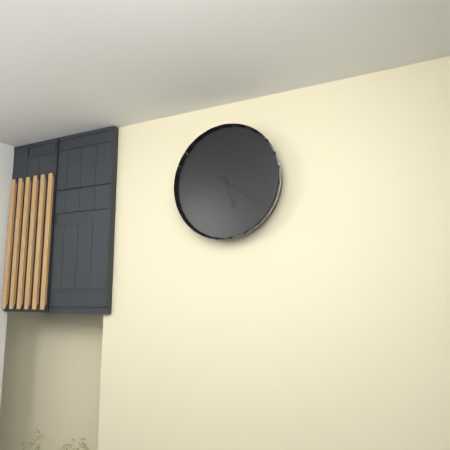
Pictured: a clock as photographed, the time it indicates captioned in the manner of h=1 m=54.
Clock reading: h=5 m=21
